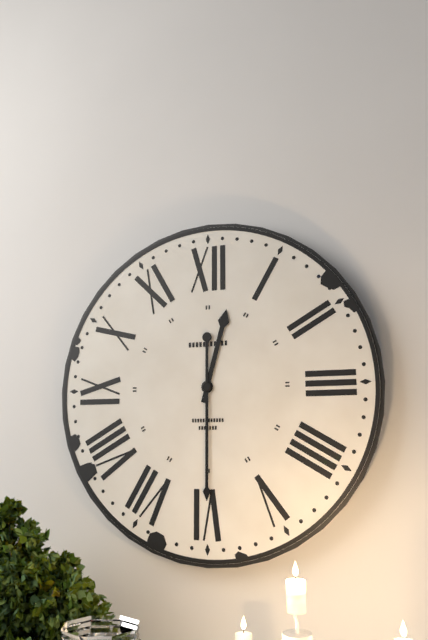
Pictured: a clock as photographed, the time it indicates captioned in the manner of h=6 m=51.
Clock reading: h=12 m=30
